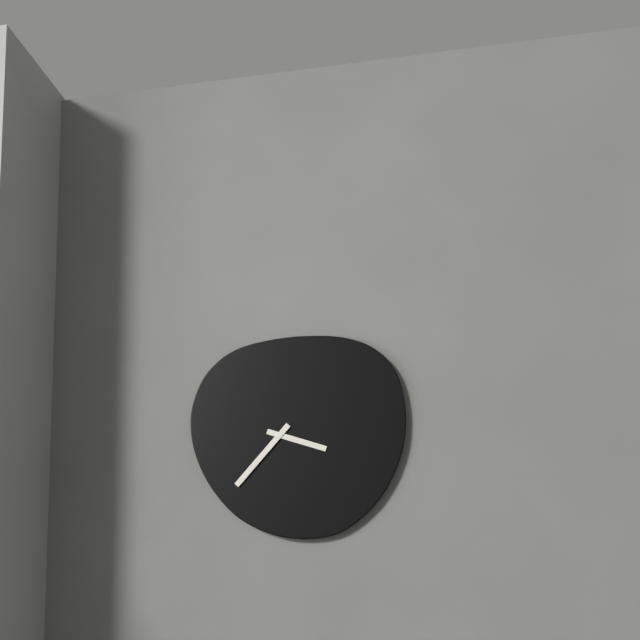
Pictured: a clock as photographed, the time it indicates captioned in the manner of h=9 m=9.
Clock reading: h=3 m=37
